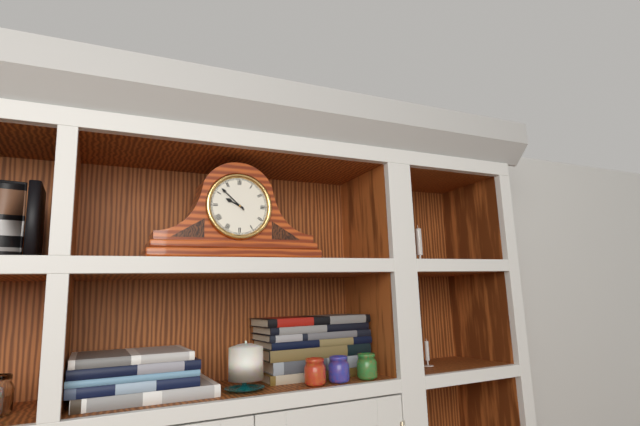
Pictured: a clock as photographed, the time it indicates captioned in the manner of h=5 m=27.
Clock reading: h=9 m=52
